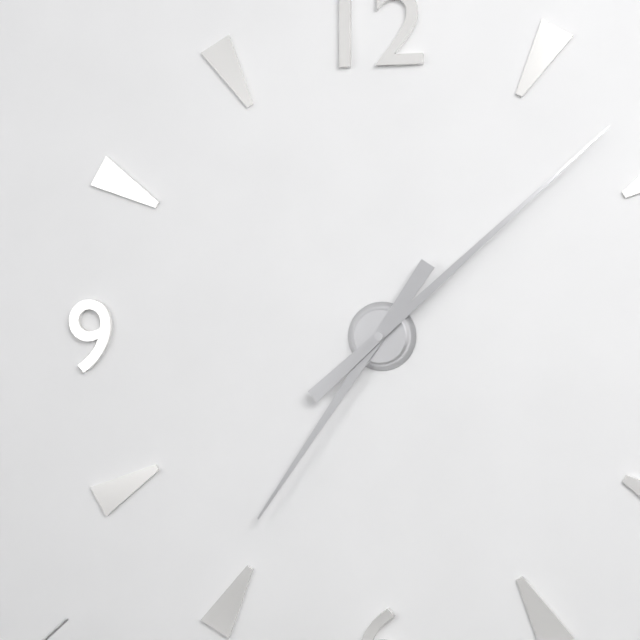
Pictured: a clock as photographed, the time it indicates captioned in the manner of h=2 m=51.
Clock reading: h=7 m=8
